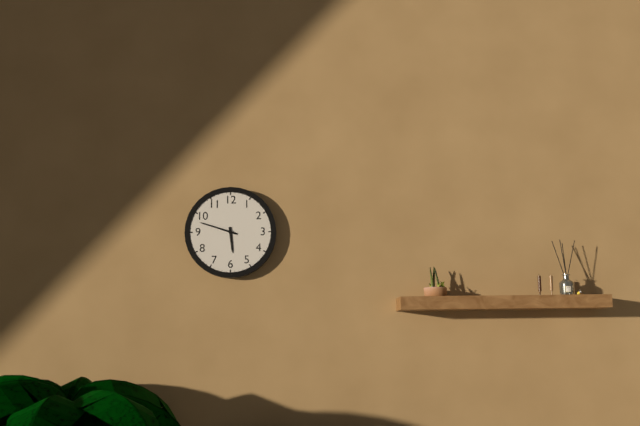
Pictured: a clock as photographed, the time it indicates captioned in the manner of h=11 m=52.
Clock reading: h=5 m=48
